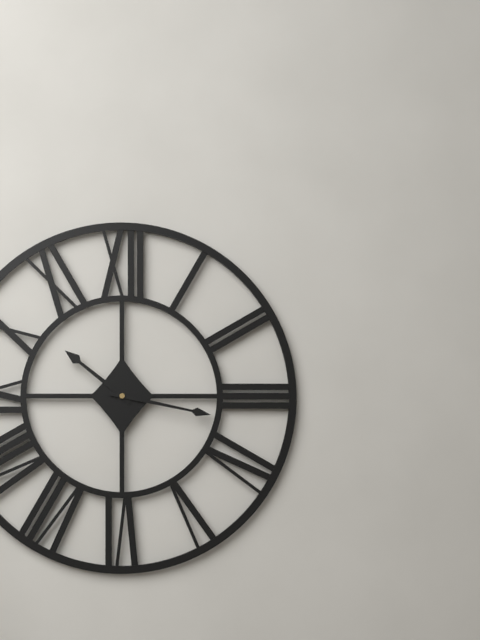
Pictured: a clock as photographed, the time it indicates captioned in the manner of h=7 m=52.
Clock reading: h=10 m=17
